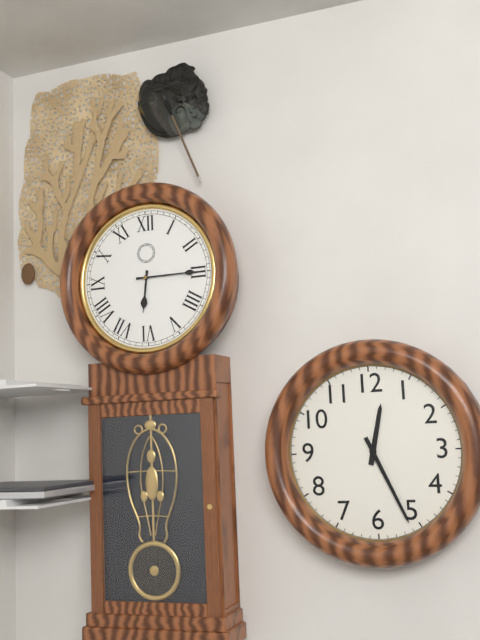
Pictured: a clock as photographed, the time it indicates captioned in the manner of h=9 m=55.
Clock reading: h=6 m=15
